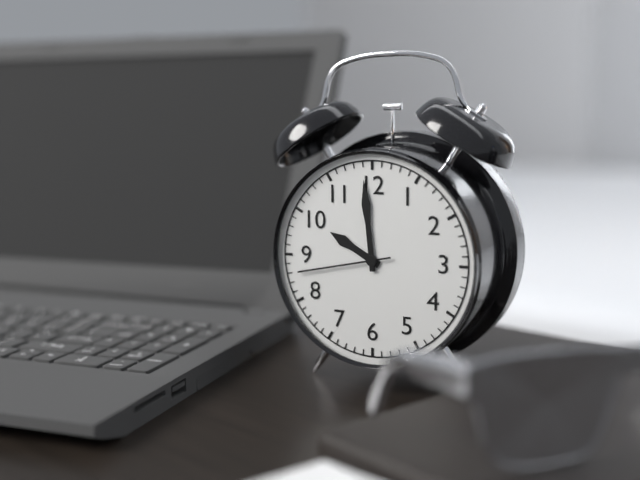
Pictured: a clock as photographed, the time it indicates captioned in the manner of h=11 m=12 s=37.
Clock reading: h=9 m=59 s=43
